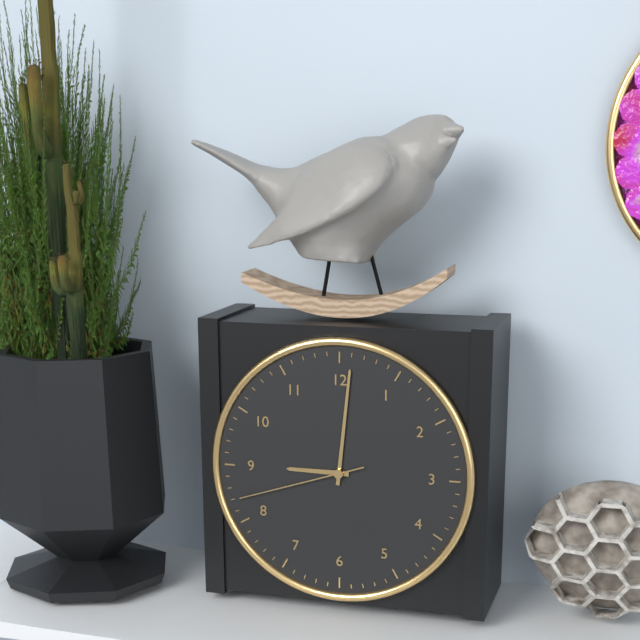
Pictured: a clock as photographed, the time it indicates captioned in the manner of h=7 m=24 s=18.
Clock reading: h=9 m=1 s=42
